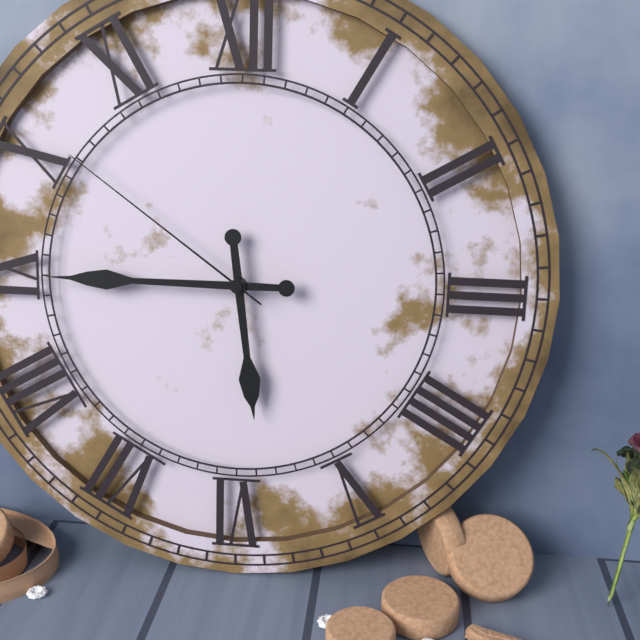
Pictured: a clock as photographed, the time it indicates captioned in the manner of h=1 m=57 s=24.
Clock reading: h=5 m=45 s=51
